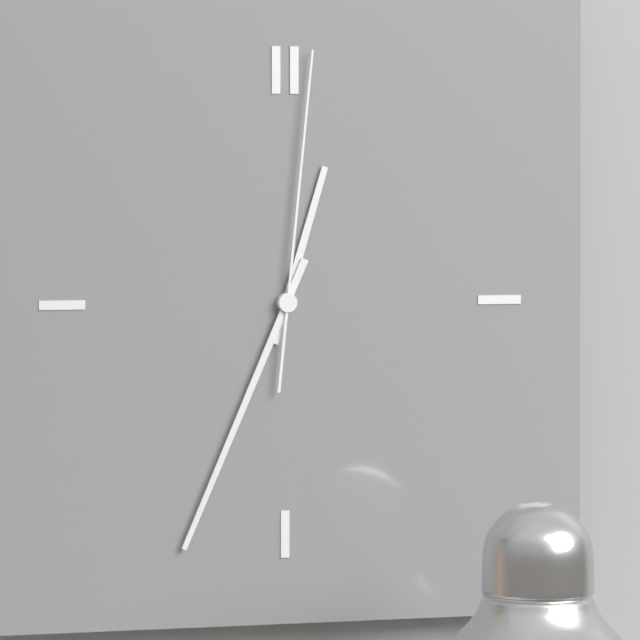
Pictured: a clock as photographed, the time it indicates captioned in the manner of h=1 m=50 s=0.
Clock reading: h=12 m=34 s=1
